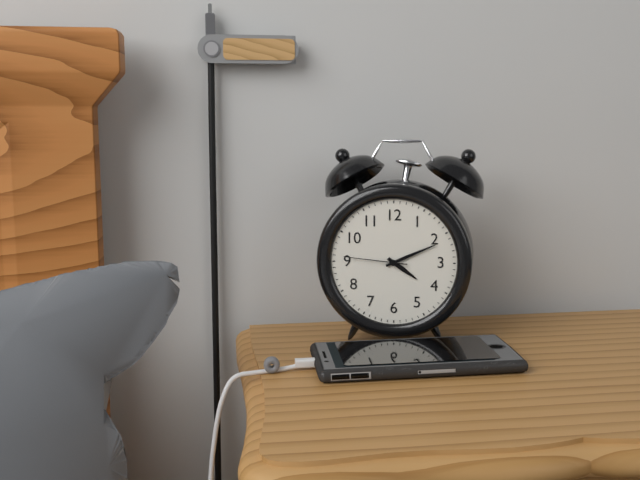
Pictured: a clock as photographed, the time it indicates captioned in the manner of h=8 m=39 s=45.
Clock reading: h=4 m=11 s=46
